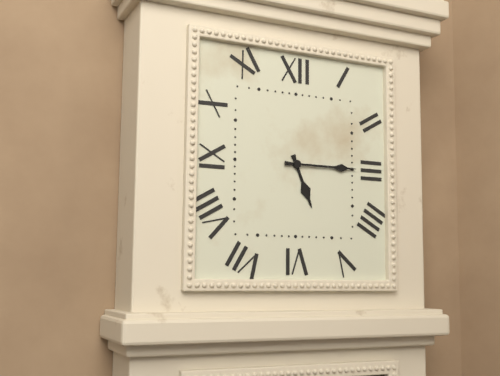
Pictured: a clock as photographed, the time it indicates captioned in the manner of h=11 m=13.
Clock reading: h=5 m=15
